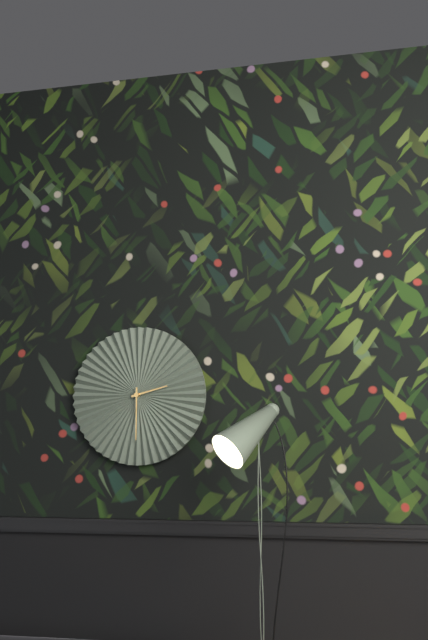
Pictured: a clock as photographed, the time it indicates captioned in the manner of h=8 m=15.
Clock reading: h=2 m=30
